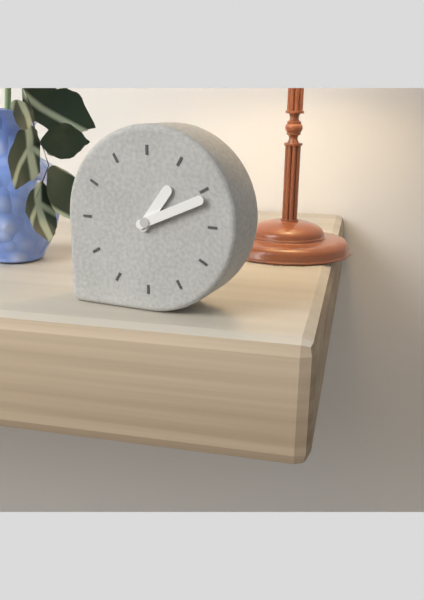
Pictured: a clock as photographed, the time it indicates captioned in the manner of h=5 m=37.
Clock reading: h=1 m=11
